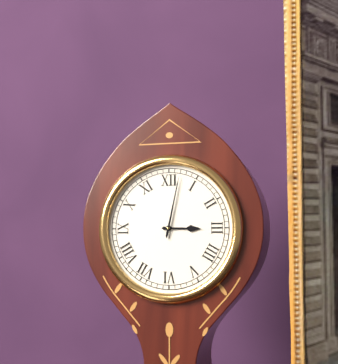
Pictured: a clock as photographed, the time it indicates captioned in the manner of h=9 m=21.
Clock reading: h=3 m=2
